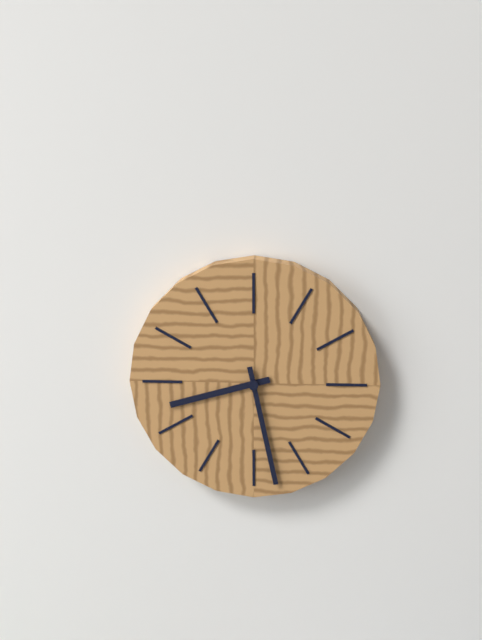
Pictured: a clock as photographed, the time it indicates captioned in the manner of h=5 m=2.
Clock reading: h=8 m=28
